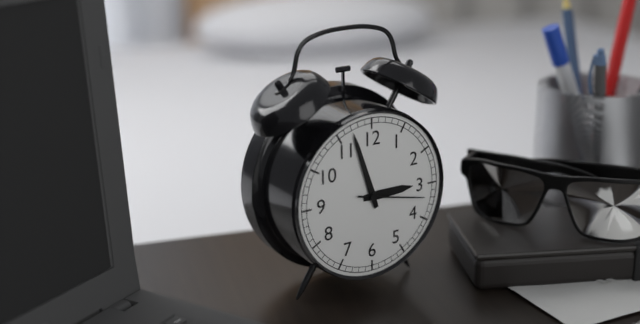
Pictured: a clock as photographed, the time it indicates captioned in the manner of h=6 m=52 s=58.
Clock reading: h=2 m=57 s=17
